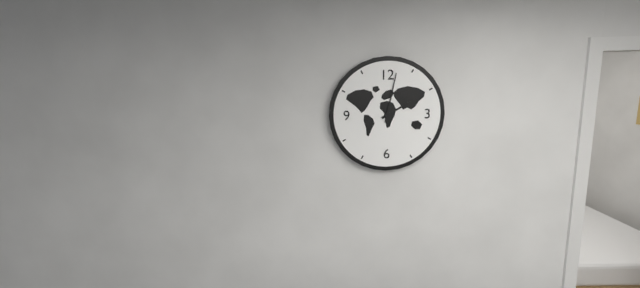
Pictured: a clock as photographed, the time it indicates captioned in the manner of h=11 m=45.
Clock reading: h=2 m=2
